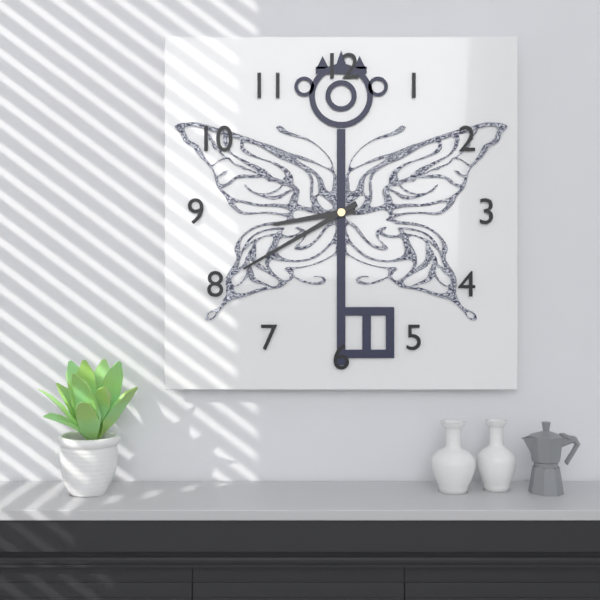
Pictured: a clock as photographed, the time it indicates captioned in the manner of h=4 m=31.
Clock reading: h=8 m=40
